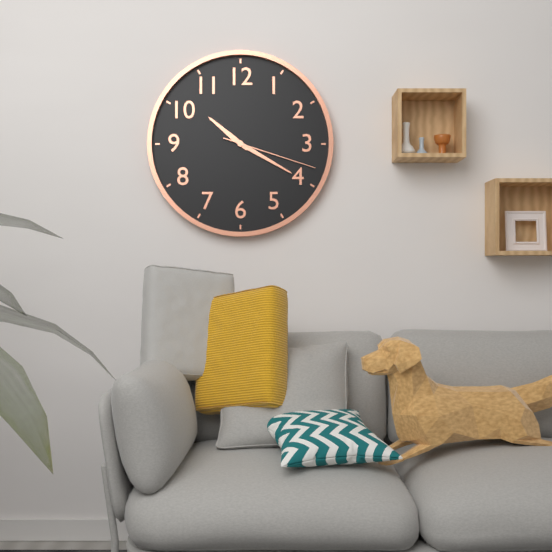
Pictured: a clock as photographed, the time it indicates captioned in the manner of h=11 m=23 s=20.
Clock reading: h=10 m=20 s=18
